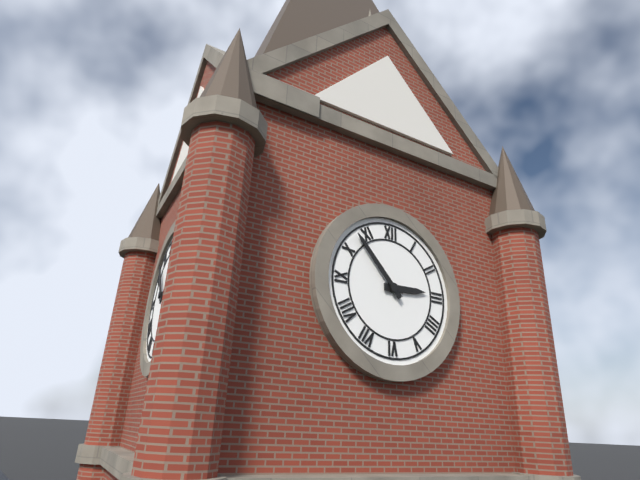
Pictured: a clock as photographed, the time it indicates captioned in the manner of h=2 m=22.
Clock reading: h=2 m=53
